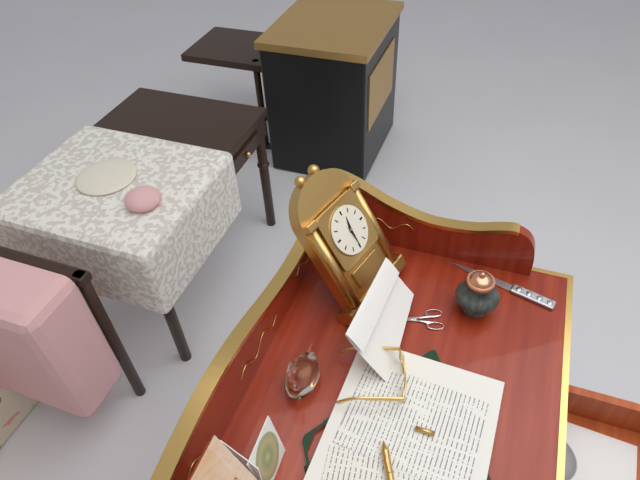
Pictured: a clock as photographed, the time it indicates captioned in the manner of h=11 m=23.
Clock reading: h=12 m=30
